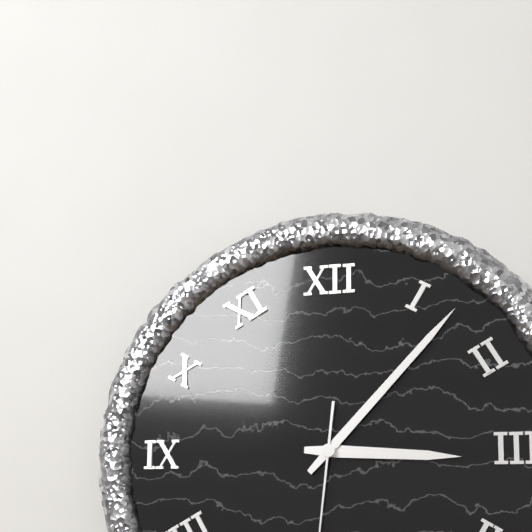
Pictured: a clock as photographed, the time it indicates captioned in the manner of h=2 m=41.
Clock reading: h=3 m=7
